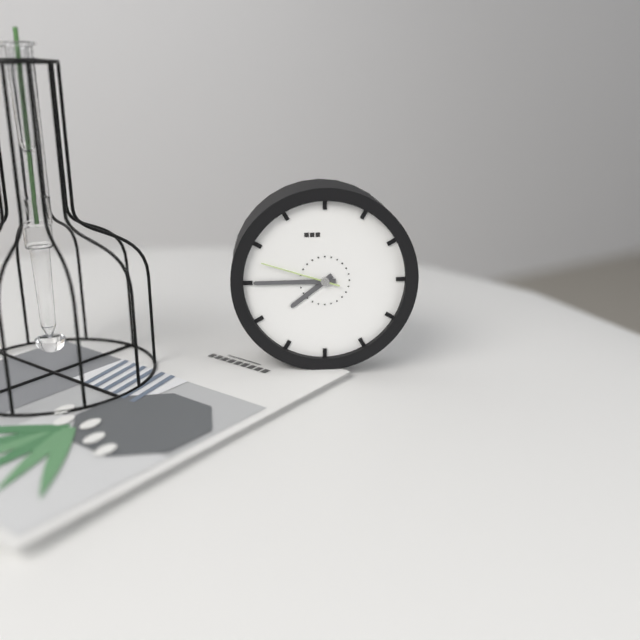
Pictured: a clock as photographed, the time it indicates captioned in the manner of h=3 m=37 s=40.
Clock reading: h=7 m=45 s=48
